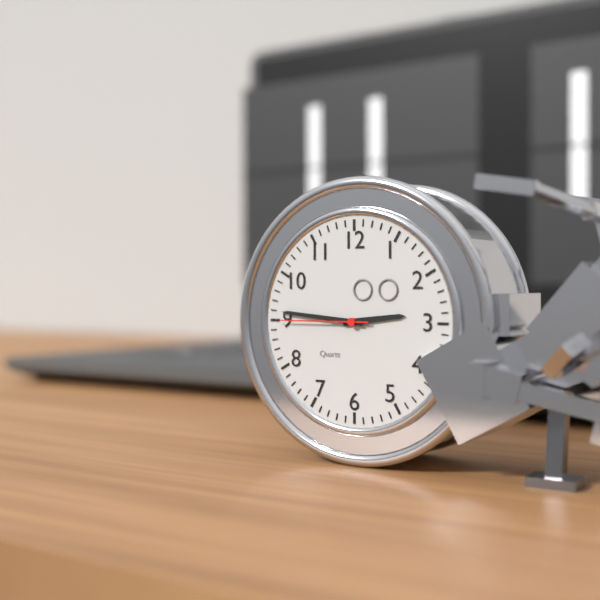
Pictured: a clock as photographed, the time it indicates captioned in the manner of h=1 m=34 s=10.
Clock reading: h=2 m=46 s=45
